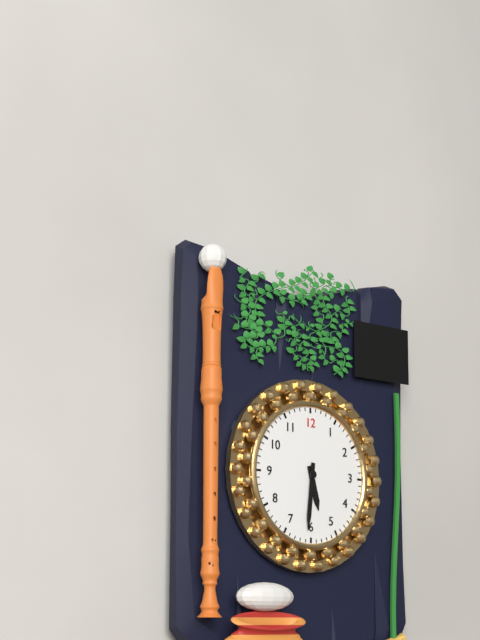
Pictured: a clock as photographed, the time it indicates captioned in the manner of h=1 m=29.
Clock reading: h=5 m=31
